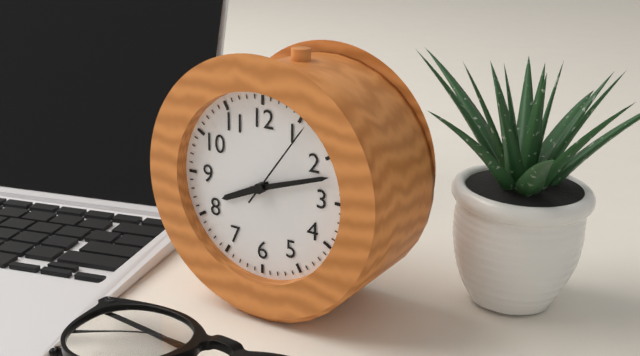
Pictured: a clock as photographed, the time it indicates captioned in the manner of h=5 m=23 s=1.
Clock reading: h=8 m=12 s=6
